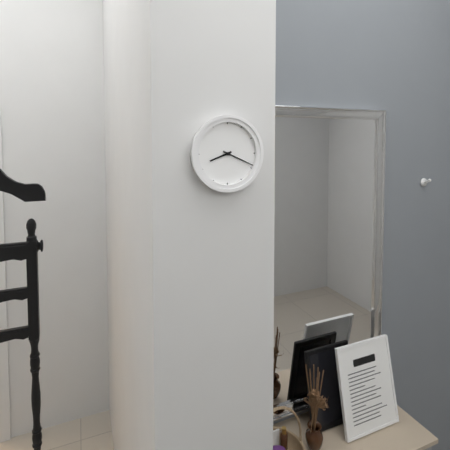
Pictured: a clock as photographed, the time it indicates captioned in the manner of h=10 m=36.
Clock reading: h=8 m=19
